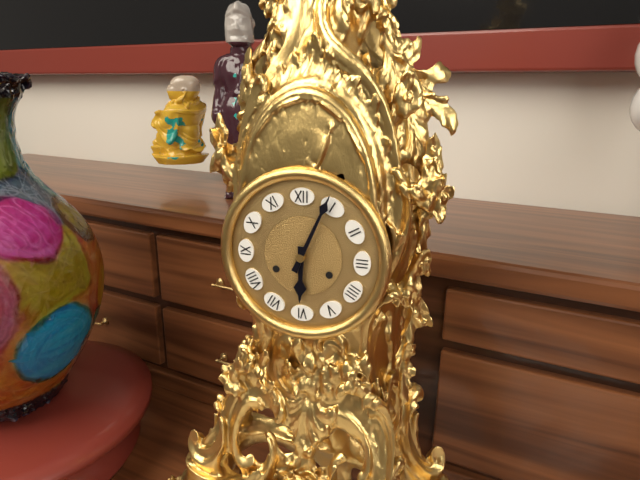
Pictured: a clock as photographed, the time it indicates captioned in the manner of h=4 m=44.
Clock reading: h=6 m=4
